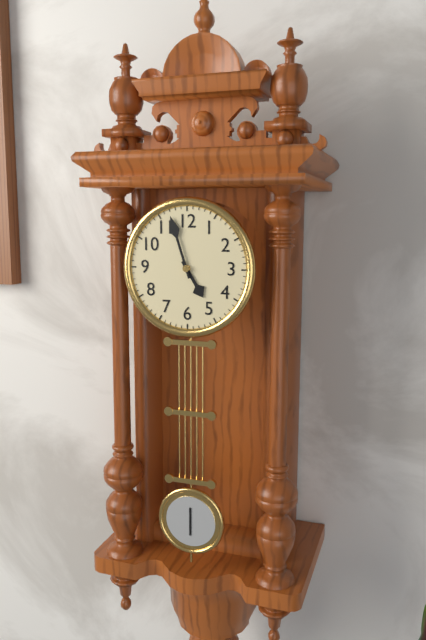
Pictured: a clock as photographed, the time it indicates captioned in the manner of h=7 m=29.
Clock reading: h=4 m=57
